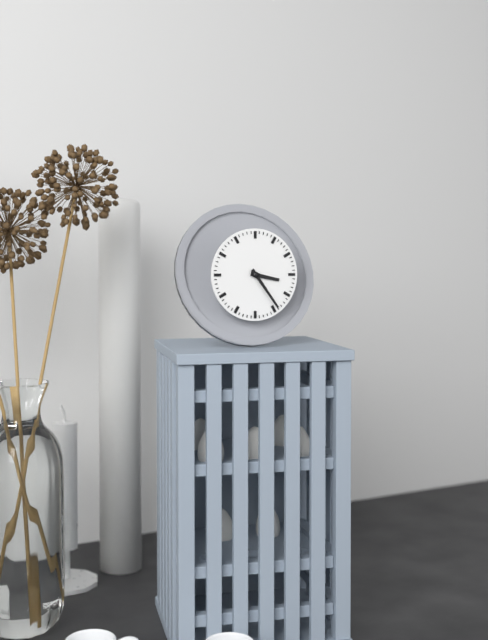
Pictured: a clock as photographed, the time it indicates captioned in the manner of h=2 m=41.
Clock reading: h=3 m=24
